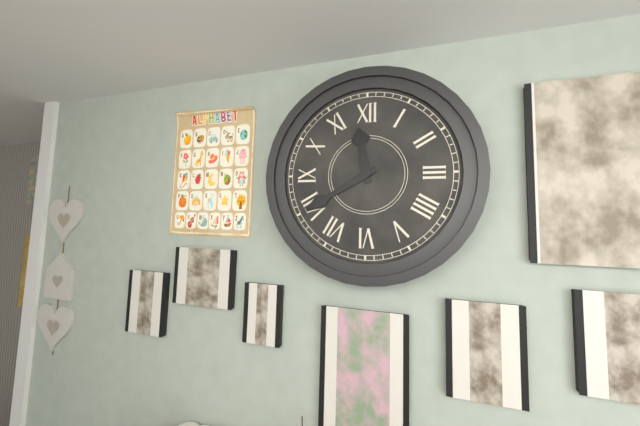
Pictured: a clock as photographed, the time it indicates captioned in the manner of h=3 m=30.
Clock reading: h=11 m=40
